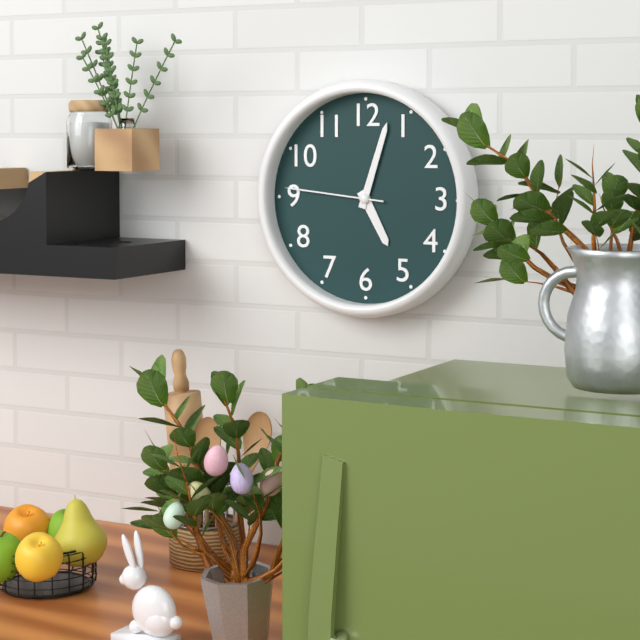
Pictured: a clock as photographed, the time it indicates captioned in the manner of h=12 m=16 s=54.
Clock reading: h=5 m=3 s=46
